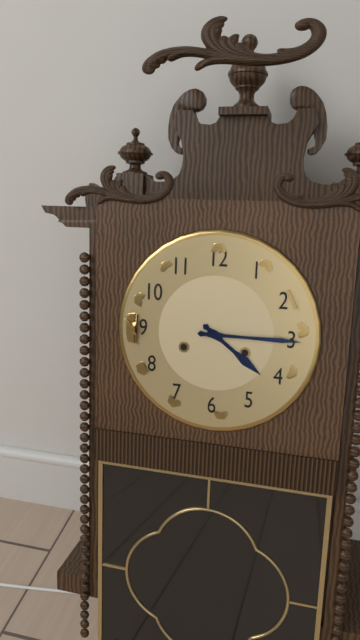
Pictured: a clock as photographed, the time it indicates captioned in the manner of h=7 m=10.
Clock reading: h=4 m=15
